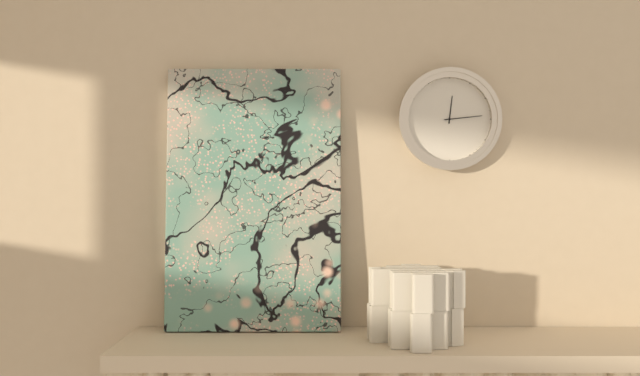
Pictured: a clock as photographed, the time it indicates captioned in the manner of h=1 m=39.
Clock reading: h=12 m=14
